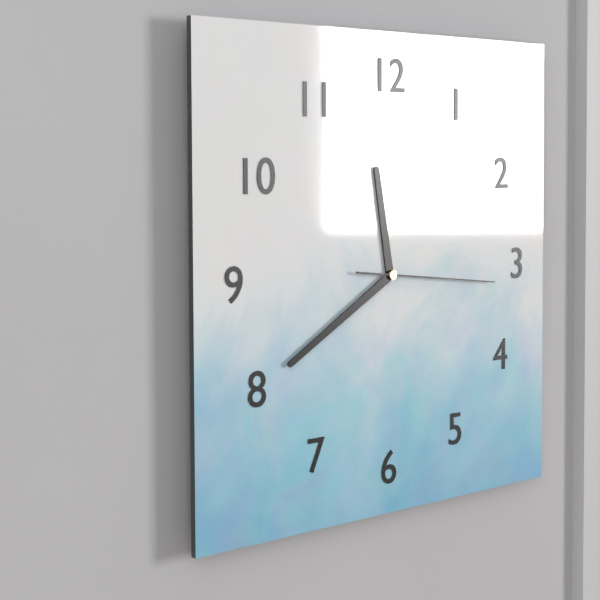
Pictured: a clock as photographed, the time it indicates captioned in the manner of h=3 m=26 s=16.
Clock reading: h=11 m=40 s=16
